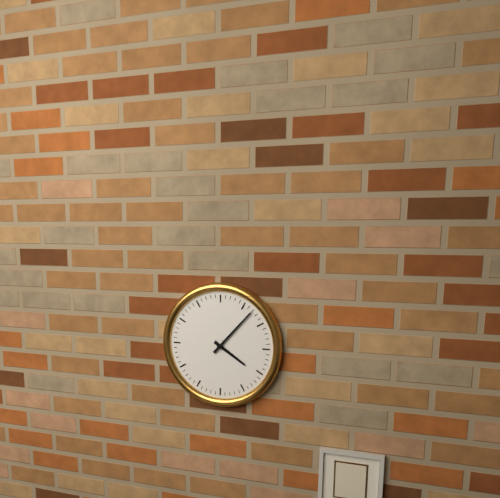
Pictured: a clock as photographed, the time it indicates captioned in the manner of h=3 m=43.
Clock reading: h=4 m=7
